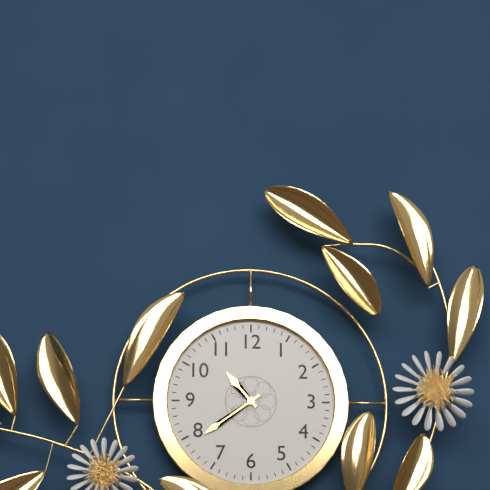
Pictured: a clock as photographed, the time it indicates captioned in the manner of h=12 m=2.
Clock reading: h=10 m=39
